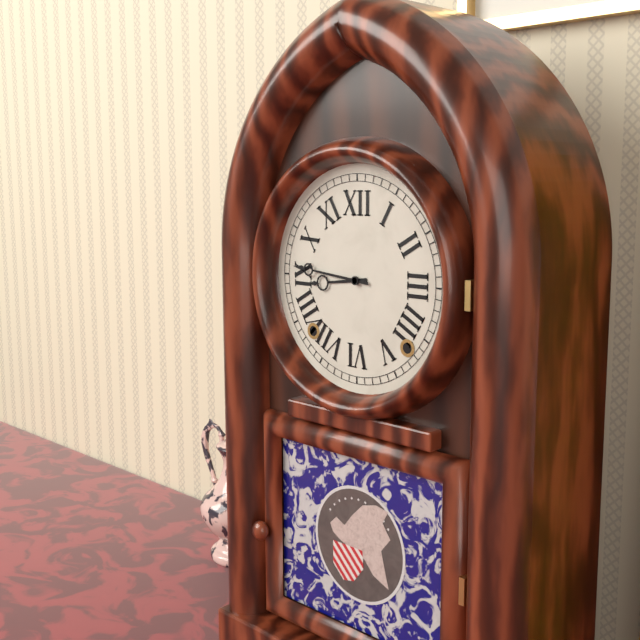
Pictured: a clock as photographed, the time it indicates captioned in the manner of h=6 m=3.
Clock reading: h=8 m=46
